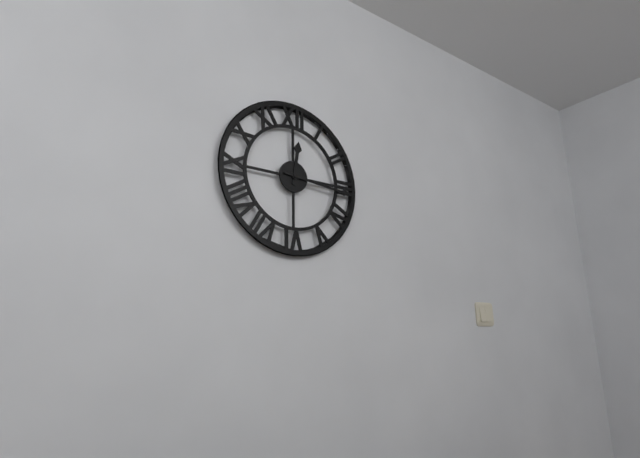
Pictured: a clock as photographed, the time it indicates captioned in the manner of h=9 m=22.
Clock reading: h=12 m=16
